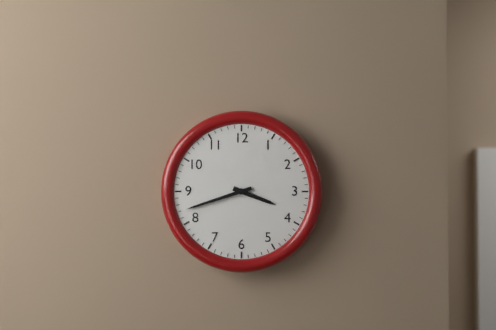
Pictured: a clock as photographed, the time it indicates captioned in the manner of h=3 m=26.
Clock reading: h=3 m=42
